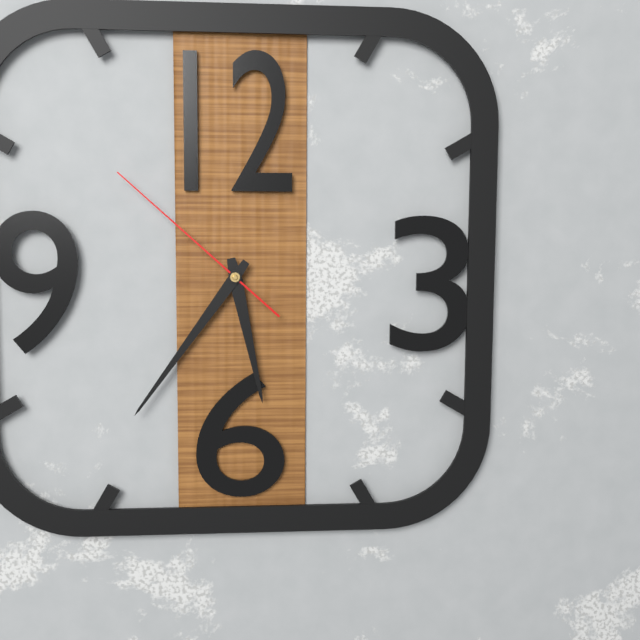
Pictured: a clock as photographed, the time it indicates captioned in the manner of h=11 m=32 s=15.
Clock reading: h=5 m=36 s=52
